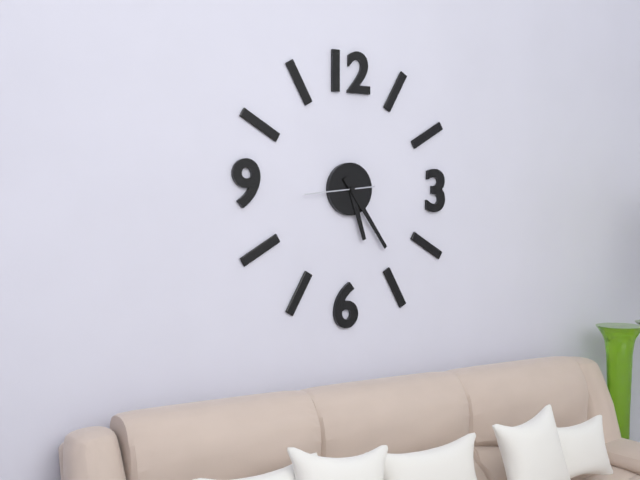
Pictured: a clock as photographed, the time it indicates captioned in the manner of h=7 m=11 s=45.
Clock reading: h=5 m=24 s=44
